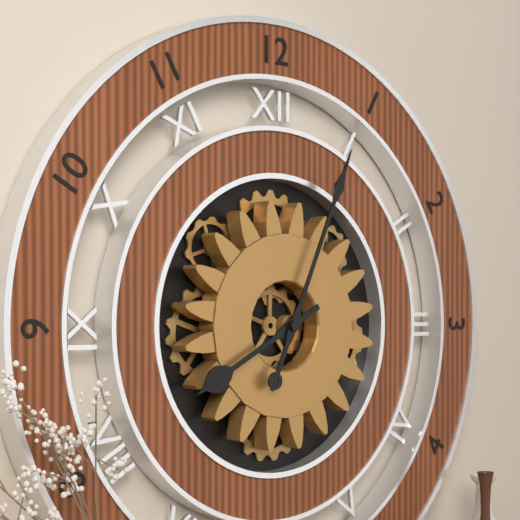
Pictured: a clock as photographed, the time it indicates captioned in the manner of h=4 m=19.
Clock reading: h=8 m=4
